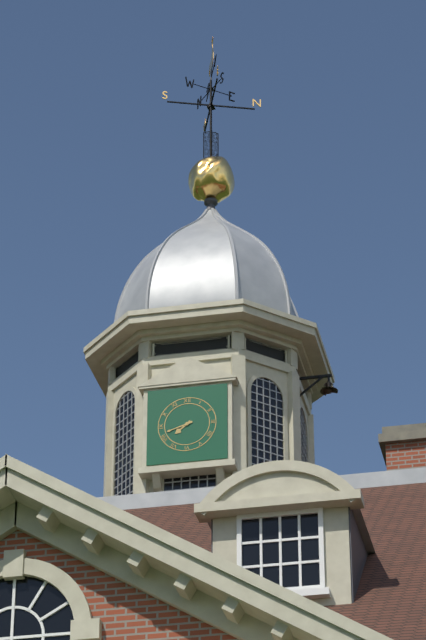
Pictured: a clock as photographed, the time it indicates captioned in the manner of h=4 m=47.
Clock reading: h=7 m=42
